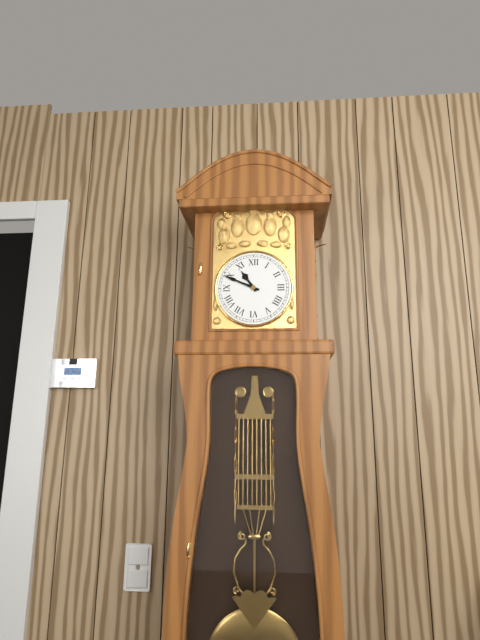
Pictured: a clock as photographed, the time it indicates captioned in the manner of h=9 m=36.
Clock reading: h=10 m=49
